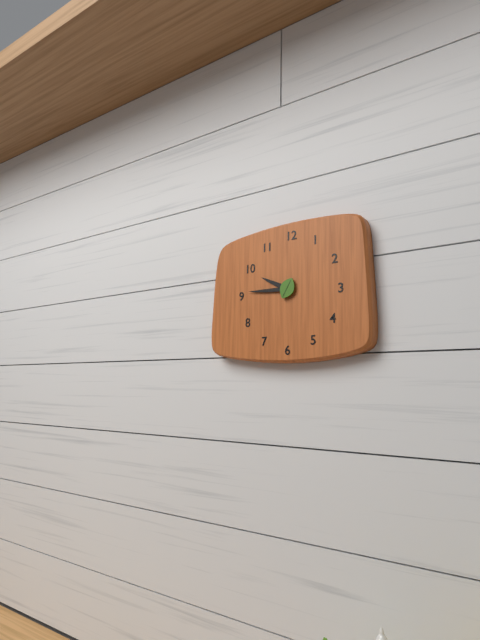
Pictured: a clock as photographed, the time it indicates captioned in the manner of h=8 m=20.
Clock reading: h=9 m=45
